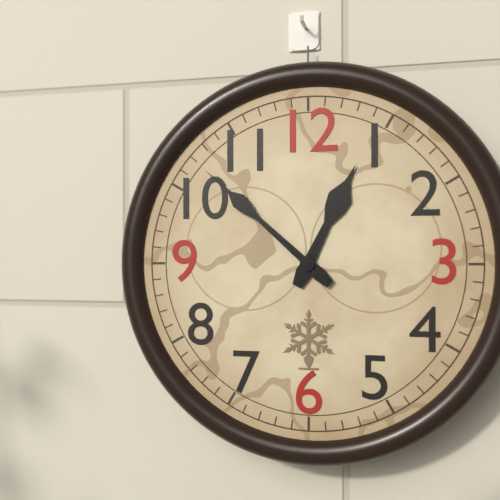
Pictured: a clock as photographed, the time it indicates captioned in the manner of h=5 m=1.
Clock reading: h=12 m=52
